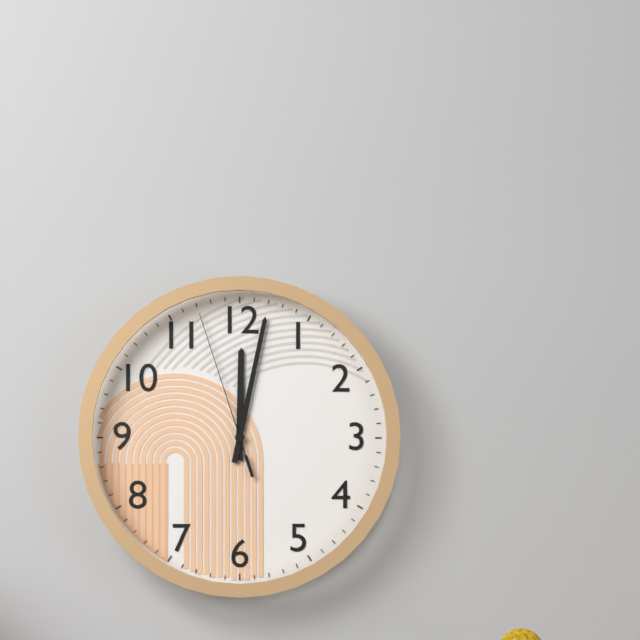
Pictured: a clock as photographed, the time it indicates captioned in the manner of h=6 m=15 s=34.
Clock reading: h=12 m=2 s=57
